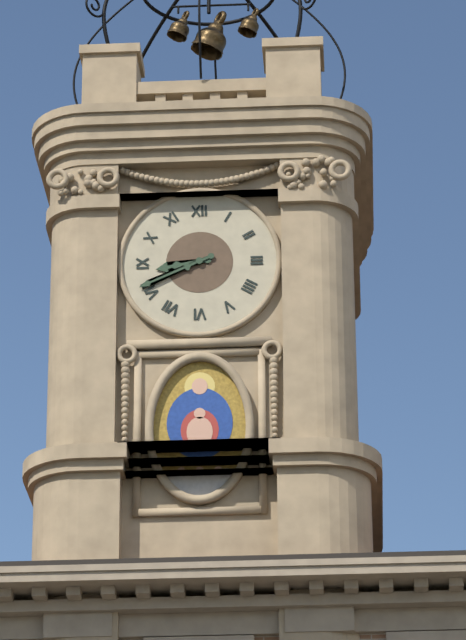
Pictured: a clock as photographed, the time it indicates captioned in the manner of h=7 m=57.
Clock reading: h=8 m=41
